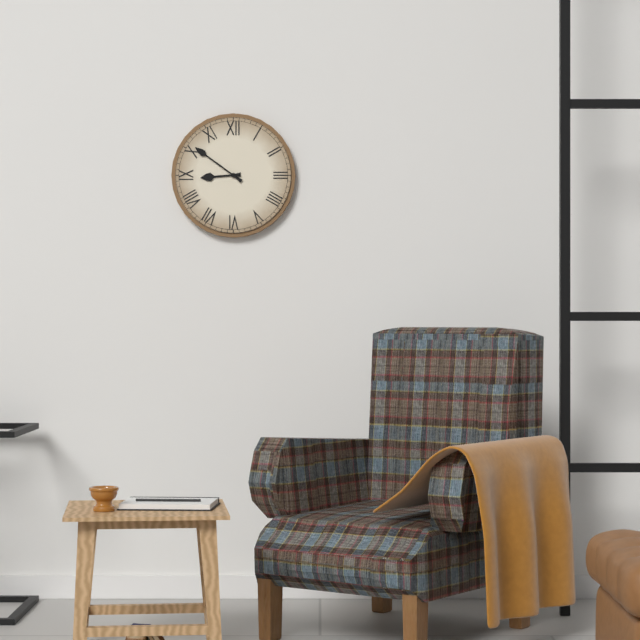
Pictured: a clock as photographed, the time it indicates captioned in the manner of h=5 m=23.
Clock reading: h=8 m=51
